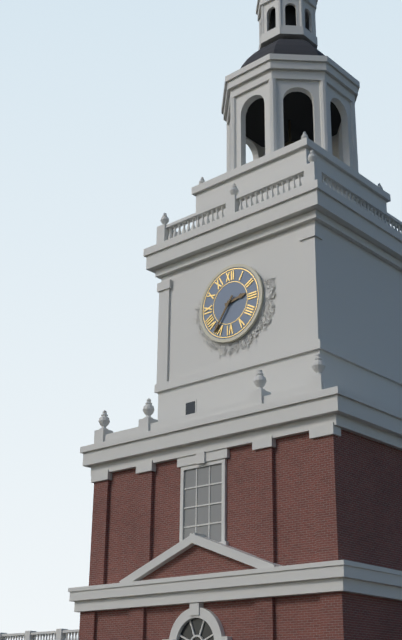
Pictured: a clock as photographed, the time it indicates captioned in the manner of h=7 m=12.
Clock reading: h=2 m=36
